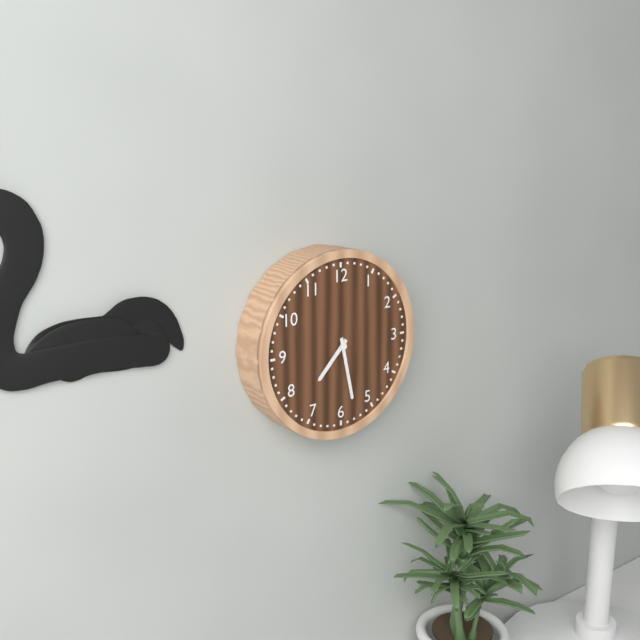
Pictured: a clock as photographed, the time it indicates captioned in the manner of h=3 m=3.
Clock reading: h=7 m=28
